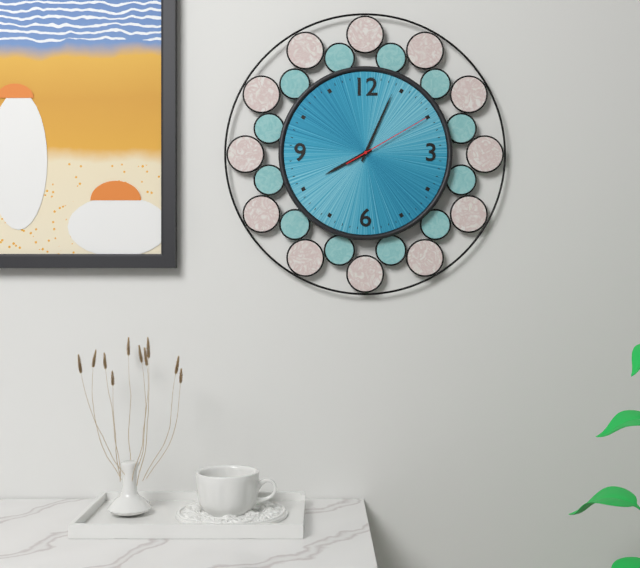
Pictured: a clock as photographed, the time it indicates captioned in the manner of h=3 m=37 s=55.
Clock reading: h=8 m=4 s=10
